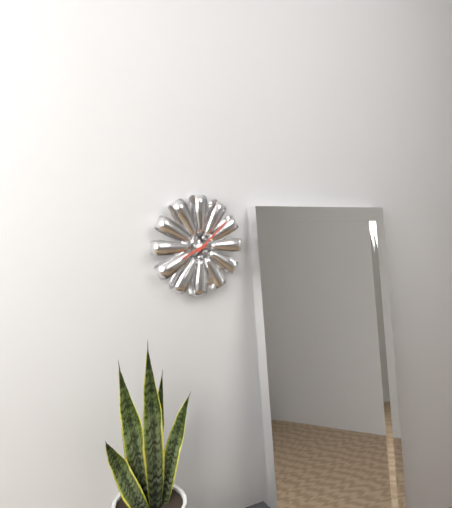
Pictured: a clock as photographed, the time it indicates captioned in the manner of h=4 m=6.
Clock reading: h=8 m=8
